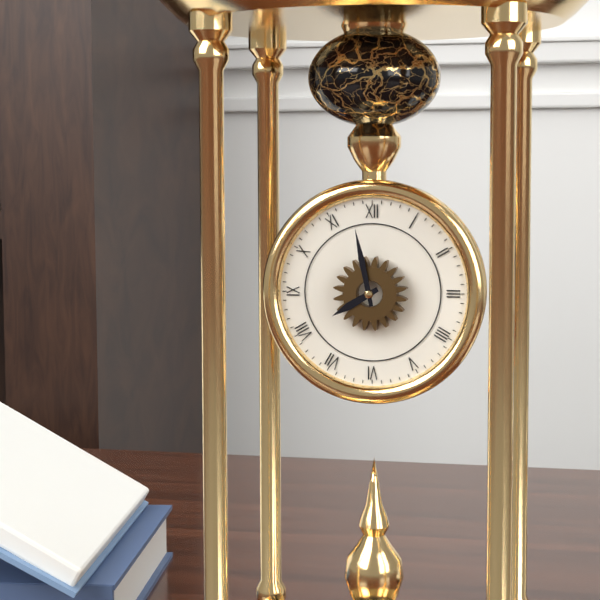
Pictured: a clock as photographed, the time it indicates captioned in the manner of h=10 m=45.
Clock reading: h=7 m=58
